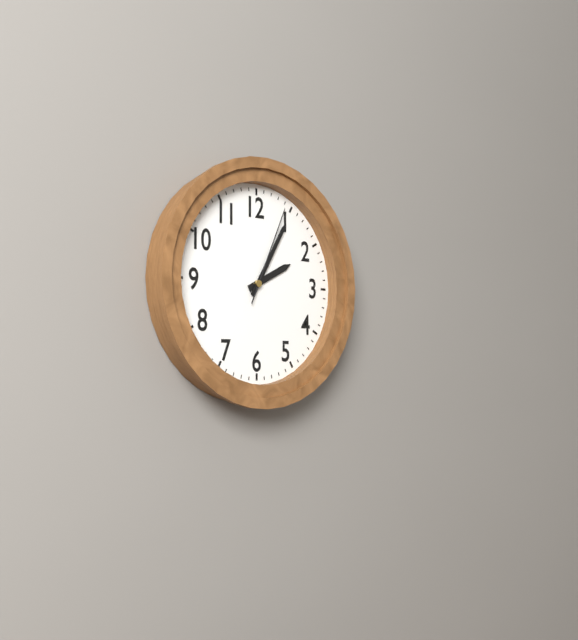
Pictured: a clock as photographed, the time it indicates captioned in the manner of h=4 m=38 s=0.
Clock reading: h=2 m=5 s=4
